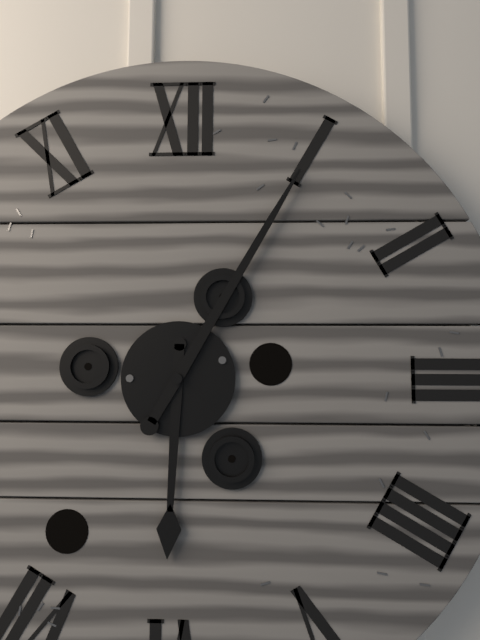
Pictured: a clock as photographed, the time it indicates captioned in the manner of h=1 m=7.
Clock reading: h=6 m=5
